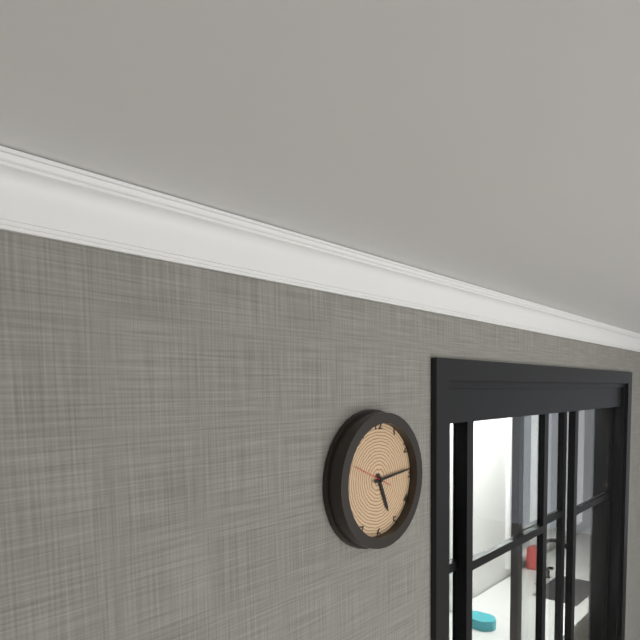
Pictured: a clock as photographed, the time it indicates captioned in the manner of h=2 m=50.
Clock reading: h=5 m=14
